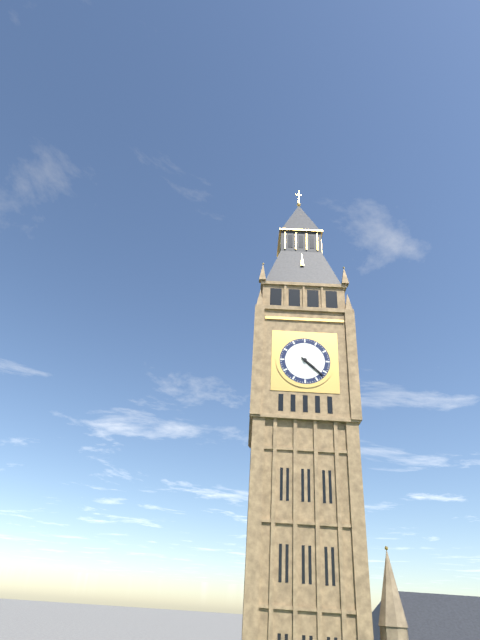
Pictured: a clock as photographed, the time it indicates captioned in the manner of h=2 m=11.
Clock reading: h=4 m=22
